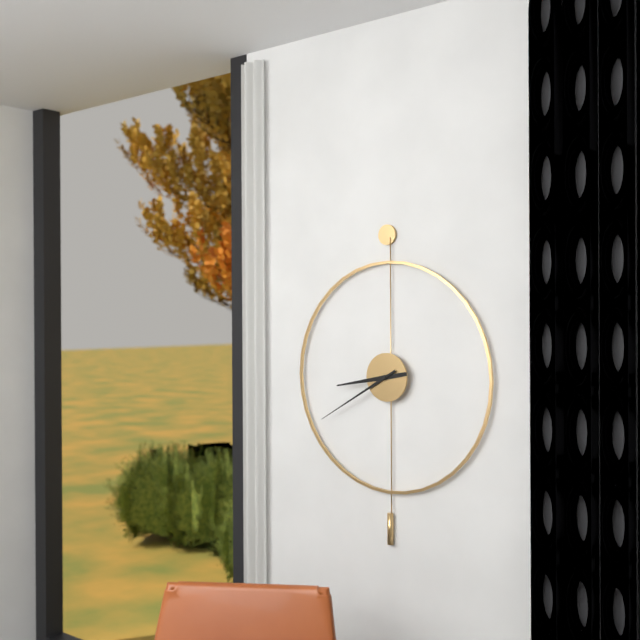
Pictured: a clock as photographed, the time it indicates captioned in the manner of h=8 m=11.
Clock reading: h=8 m=40
